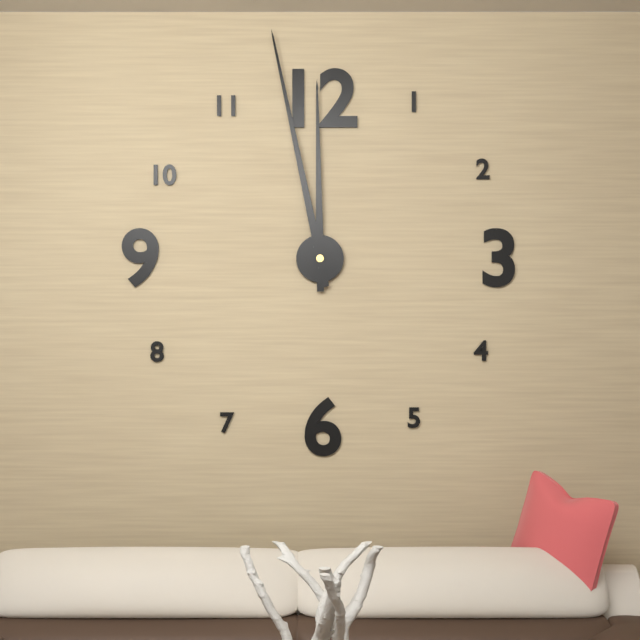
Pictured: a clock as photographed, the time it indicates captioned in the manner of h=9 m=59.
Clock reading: h=11 m=58
